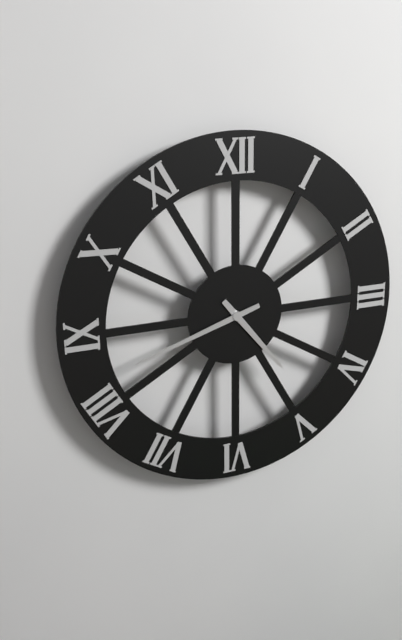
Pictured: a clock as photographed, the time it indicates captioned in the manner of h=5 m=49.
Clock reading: h=4 m=42
